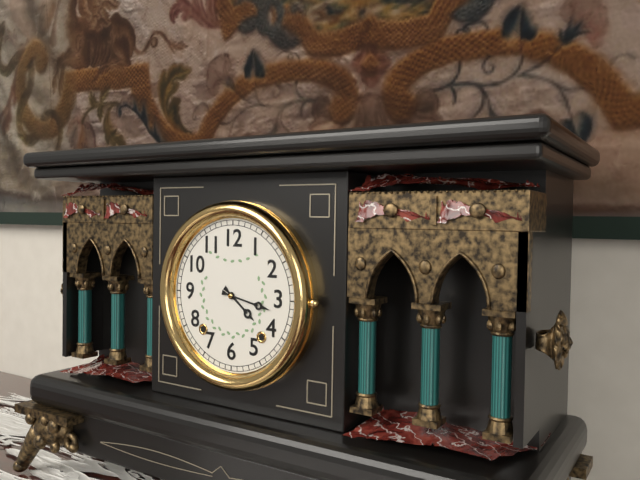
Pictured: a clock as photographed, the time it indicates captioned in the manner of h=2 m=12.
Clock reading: h=4 m=17
